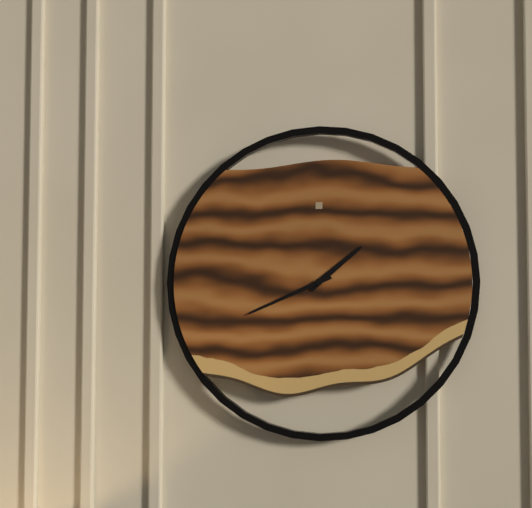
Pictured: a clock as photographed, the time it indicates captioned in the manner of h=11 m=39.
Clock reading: h=1 m=41
